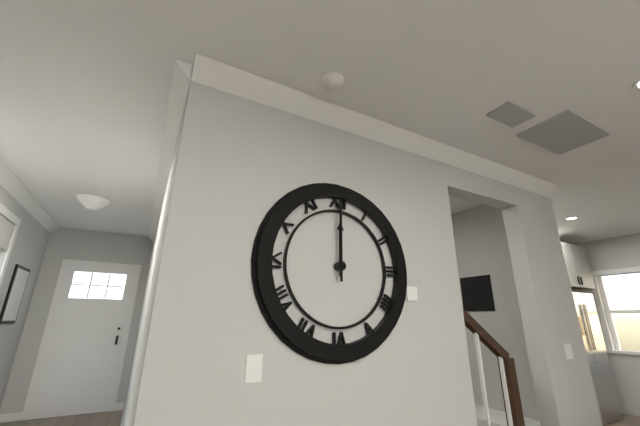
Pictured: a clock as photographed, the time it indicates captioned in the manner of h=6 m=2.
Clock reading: h=12 m=0
